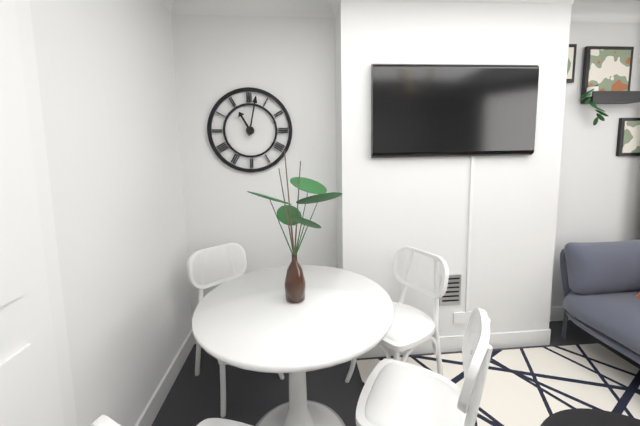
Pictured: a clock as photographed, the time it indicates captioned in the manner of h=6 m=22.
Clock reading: h=11 m=2
